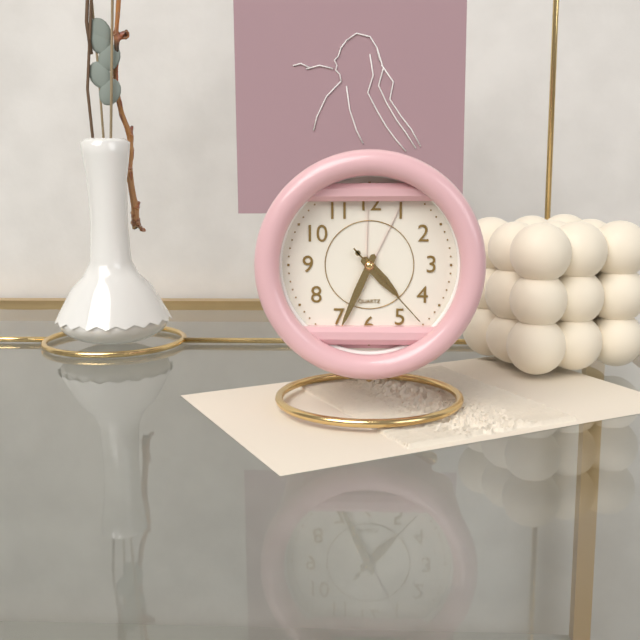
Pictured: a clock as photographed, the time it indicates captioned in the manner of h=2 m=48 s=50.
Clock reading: h=4 m=34 s=23
